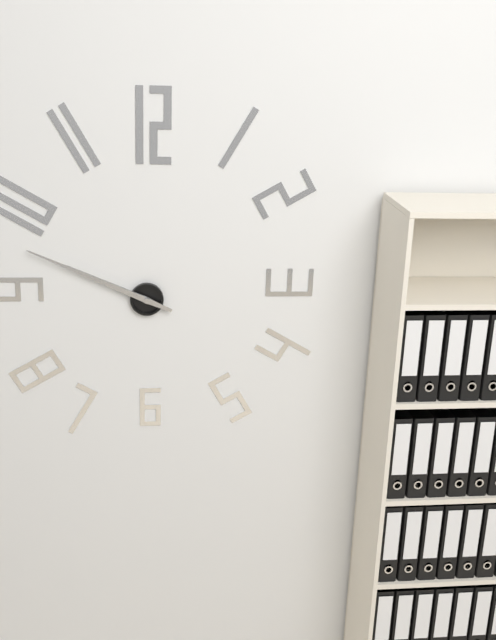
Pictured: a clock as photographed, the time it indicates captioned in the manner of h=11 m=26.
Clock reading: h=9 m=49
